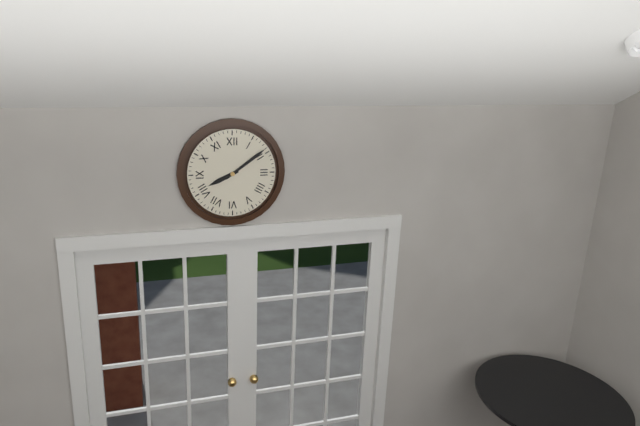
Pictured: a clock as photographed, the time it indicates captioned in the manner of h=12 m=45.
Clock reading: h=8 m=9
